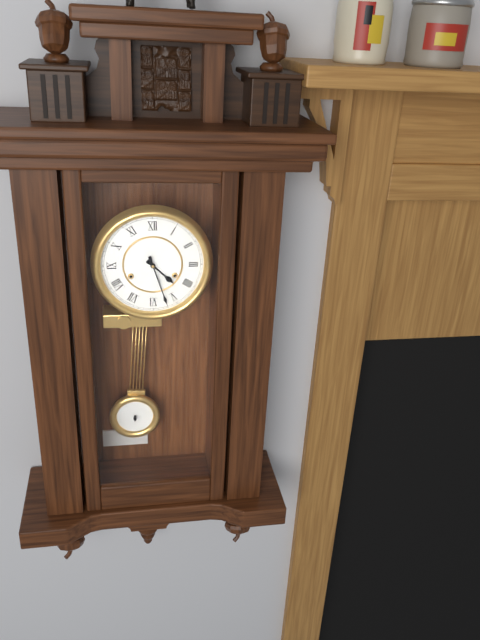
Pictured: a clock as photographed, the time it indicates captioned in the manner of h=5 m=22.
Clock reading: h=4 m=27
